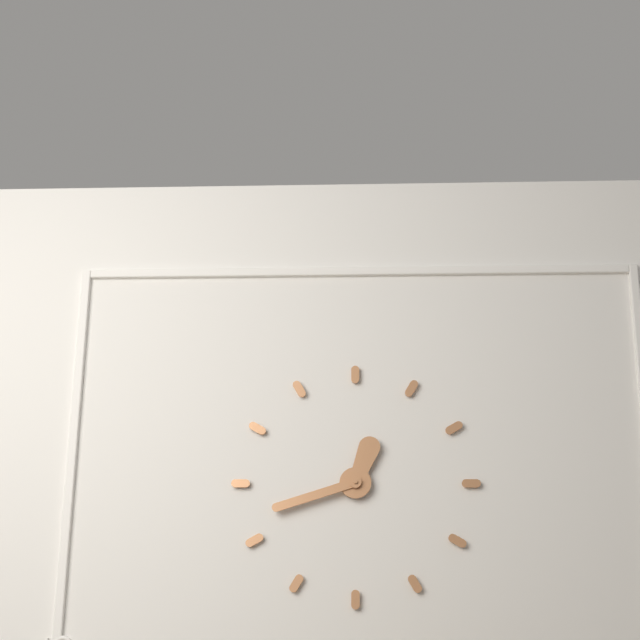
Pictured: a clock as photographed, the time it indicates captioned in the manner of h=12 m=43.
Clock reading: h=12 m=42
